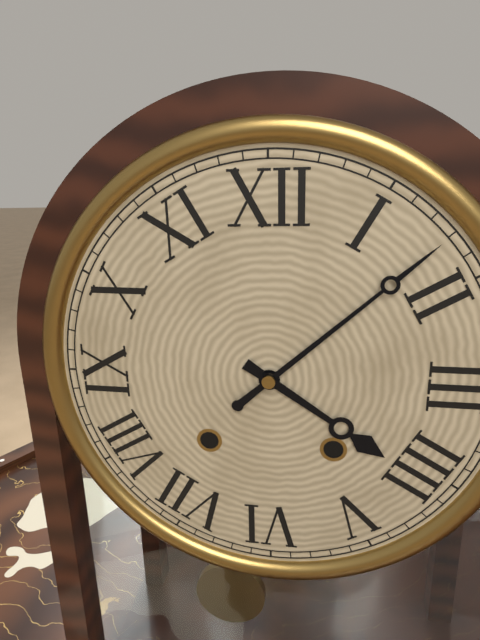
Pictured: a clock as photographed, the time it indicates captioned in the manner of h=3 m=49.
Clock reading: h=4 m=8
